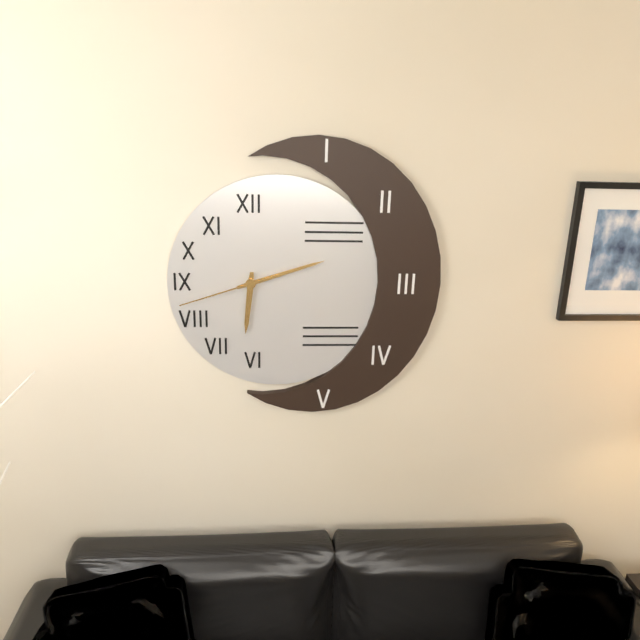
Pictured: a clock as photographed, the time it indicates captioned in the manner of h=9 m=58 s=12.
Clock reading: h=6 m=12 s=42
